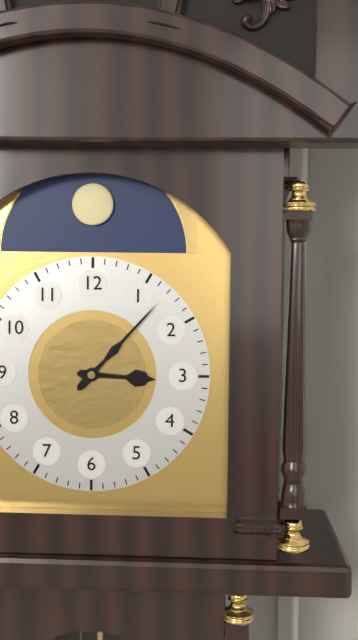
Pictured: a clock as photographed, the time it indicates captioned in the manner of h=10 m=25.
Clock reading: h=3 m=7
